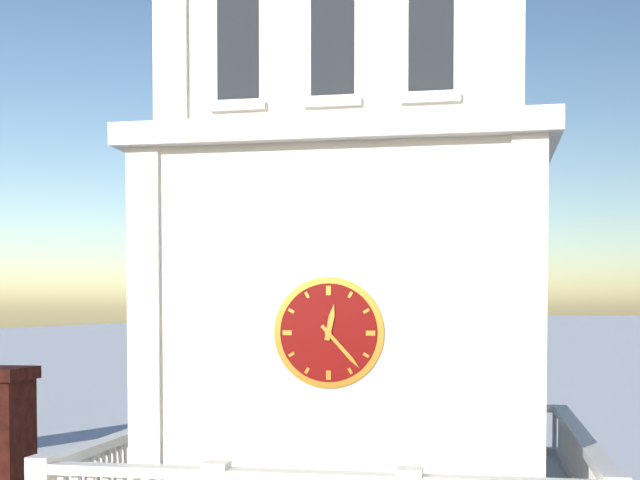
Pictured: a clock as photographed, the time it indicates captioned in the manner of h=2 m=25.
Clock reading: h=12 m=23
